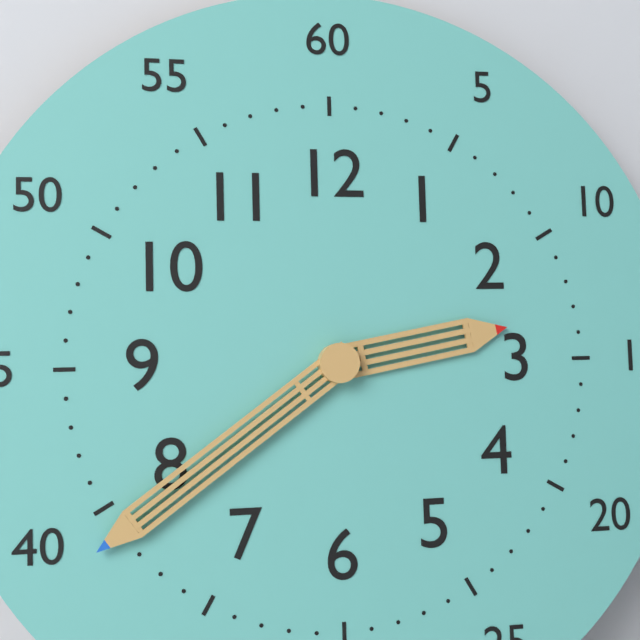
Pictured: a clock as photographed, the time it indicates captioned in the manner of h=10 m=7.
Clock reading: h=2 m=39
